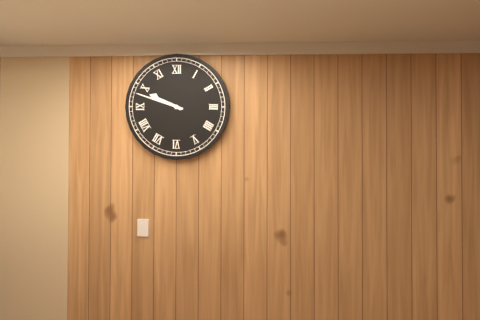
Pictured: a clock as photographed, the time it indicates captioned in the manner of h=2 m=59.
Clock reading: h=9 m=48
